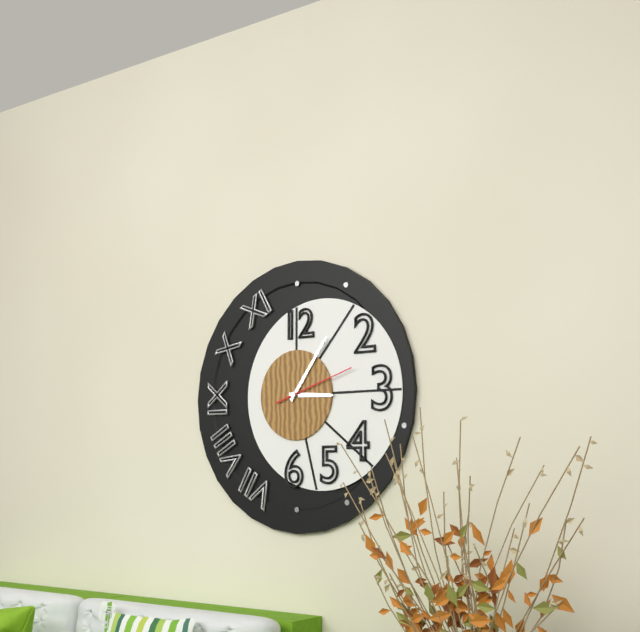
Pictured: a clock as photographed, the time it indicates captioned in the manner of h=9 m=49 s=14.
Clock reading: h=3 m=6 s=12
